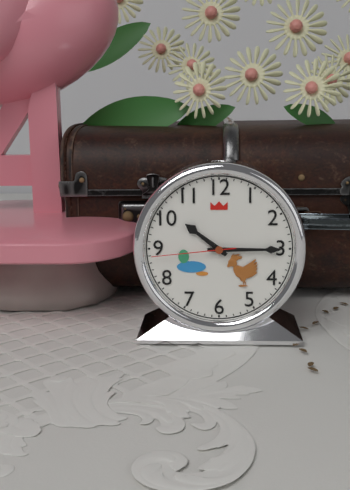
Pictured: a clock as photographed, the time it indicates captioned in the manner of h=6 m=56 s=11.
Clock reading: h=10 m=15 s=44
